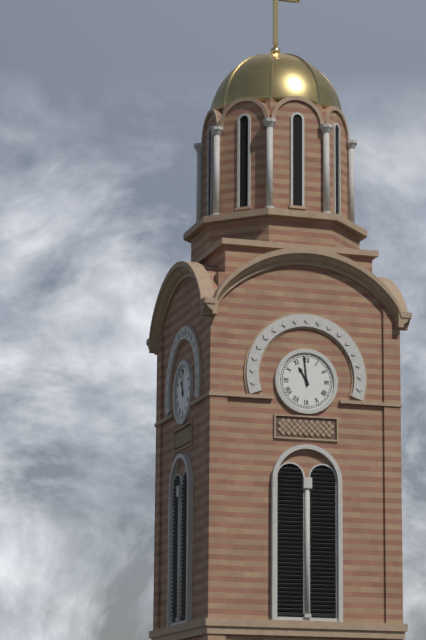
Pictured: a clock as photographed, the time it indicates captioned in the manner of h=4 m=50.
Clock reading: h=10 m=59
